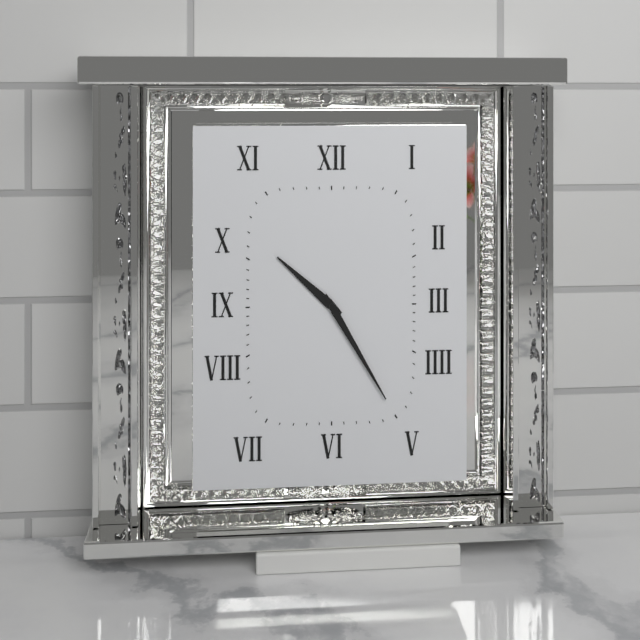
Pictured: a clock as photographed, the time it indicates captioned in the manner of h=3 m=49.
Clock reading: h=10 m=25
